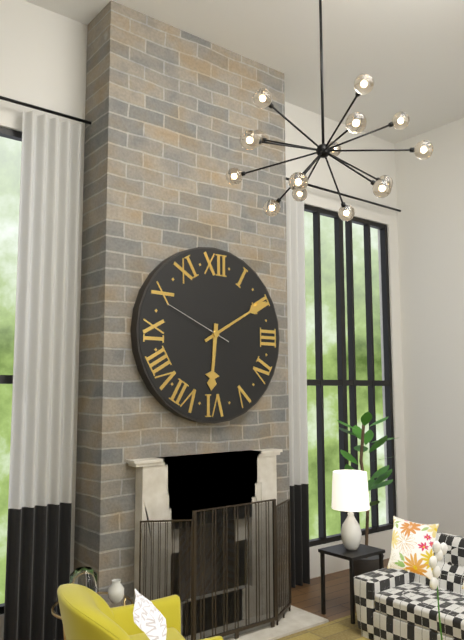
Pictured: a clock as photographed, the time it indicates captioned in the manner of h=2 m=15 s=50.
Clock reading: h=6 m=10 s=49
